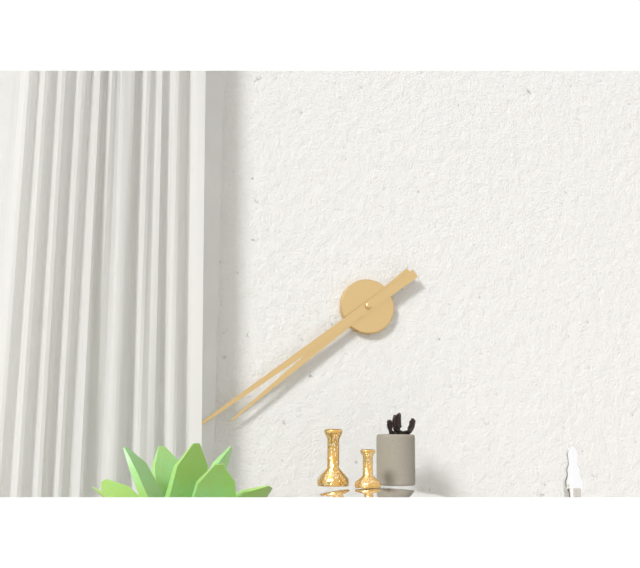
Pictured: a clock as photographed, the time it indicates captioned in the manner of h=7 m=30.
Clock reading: h=7 m=39
